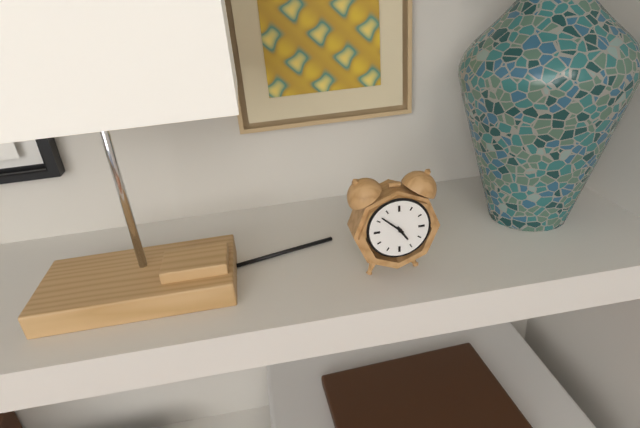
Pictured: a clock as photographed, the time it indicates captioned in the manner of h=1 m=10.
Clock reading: h=4 m=52
